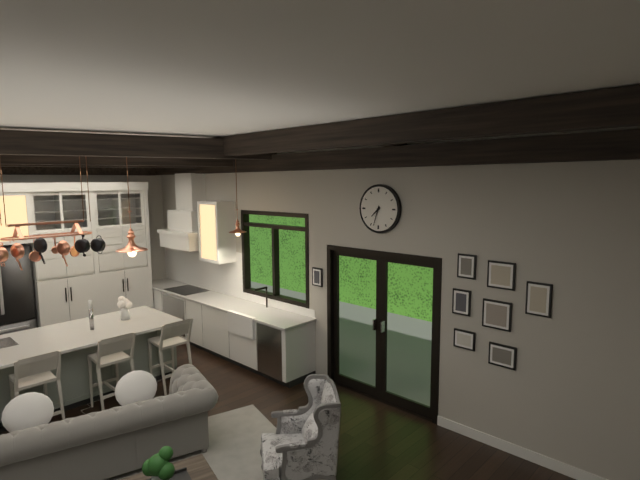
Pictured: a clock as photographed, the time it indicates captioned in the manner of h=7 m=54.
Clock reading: h=7 m=33
